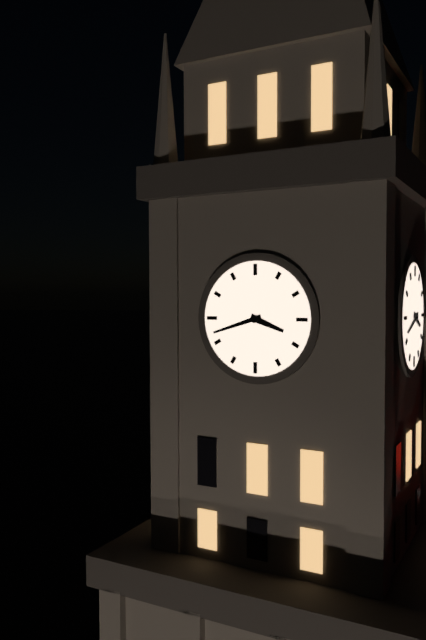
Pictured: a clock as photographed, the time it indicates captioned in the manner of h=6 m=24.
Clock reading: h=3 m=42
